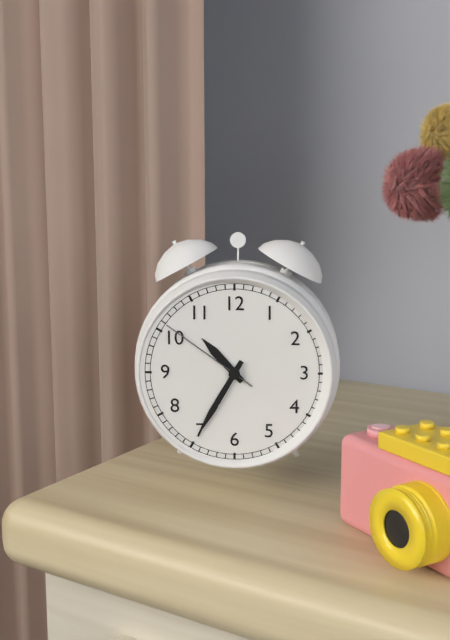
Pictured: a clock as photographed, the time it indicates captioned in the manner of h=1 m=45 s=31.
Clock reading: h=10 m=35 s=51
